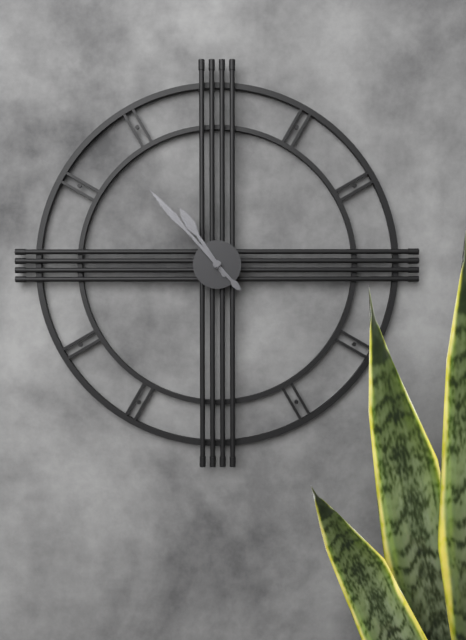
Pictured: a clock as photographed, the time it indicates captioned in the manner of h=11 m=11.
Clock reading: h=10 m=53
